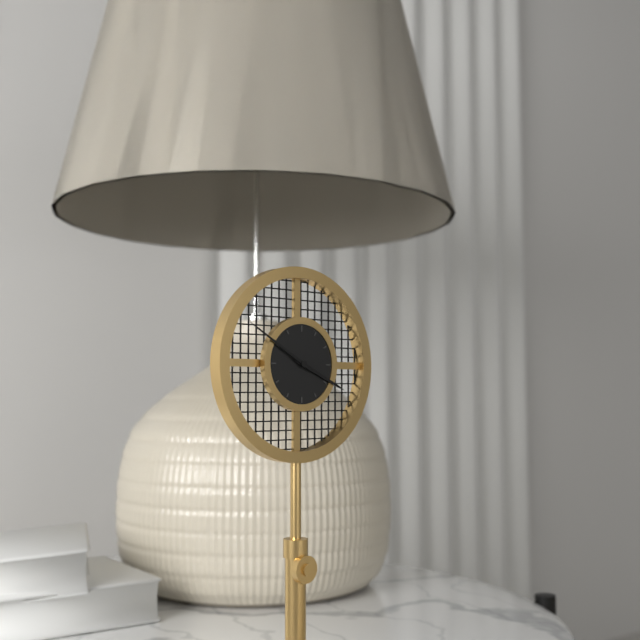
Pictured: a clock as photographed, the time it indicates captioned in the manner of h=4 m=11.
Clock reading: h=3 m=50
